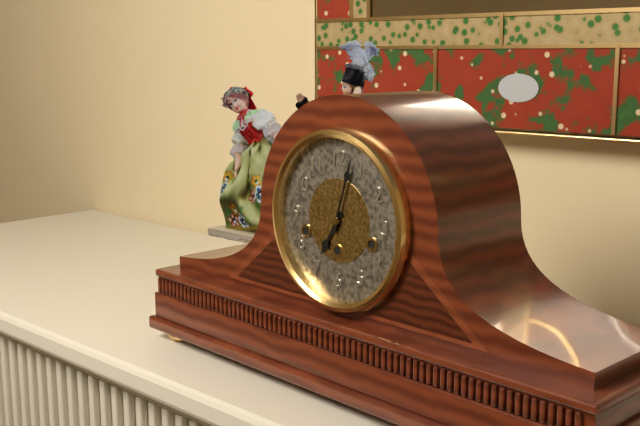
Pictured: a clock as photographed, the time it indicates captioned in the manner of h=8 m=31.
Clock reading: h=7 m=3
